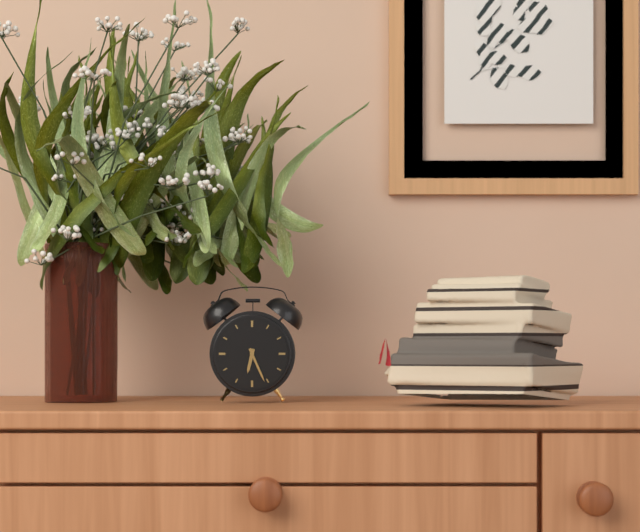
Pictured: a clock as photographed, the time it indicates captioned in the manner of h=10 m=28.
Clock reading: h=6 m=26
